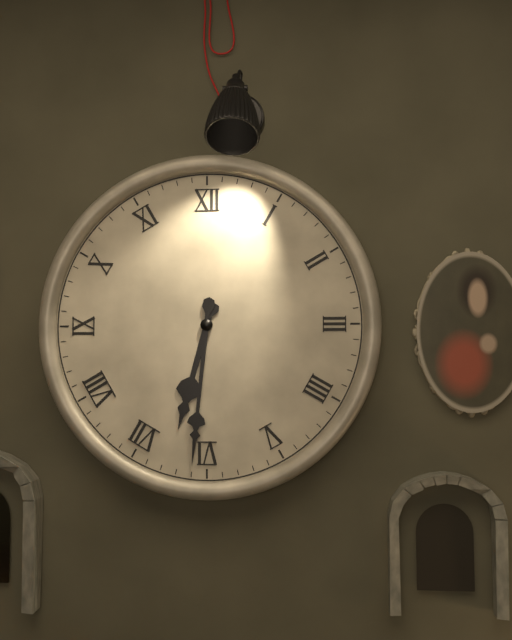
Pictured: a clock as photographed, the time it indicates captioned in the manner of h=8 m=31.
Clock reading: h=6 m=31
